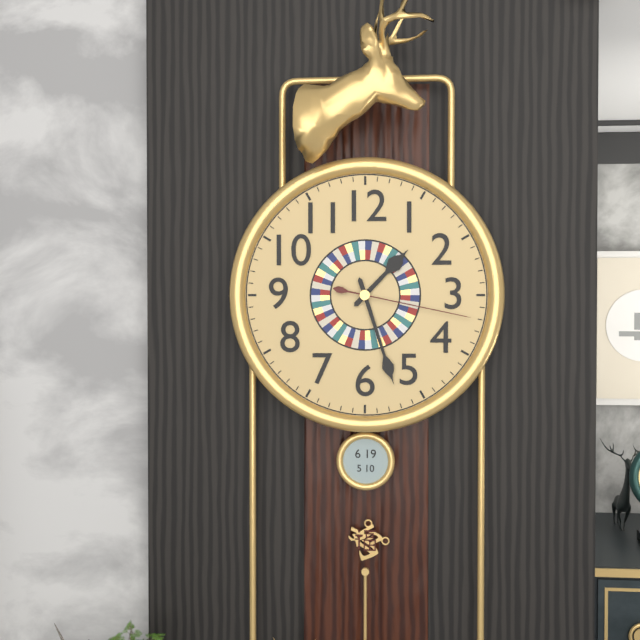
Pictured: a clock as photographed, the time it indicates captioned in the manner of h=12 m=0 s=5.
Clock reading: h=1 m=27 s=17
